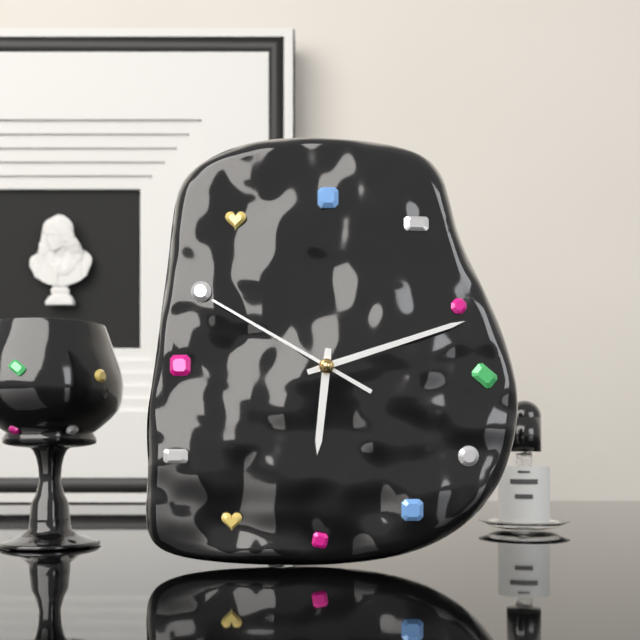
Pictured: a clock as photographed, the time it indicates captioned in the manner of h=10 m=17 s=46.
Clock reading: h=6 m=12 s=50
